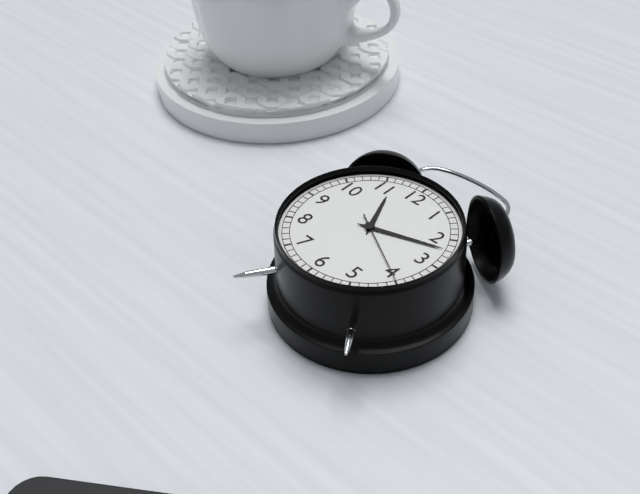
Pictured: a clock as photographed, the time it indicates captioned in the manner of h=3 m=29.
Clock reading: h=11 m=12
